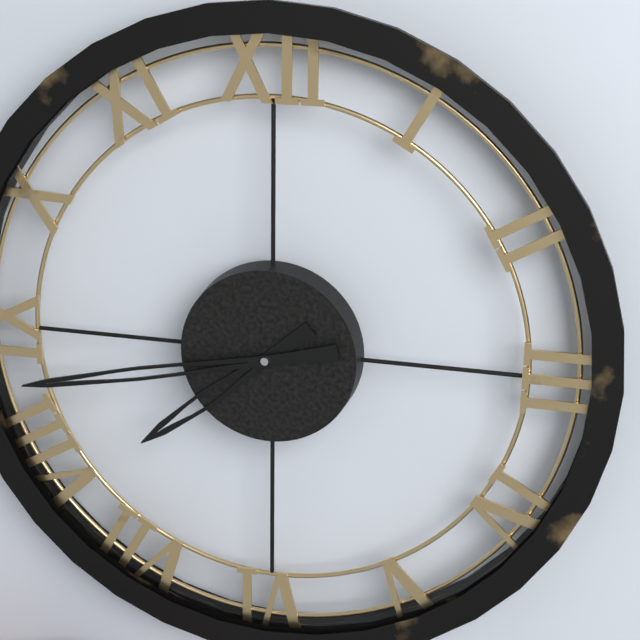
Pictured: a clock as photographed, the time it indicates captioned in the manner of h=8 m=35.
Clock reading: h=7 m=43
